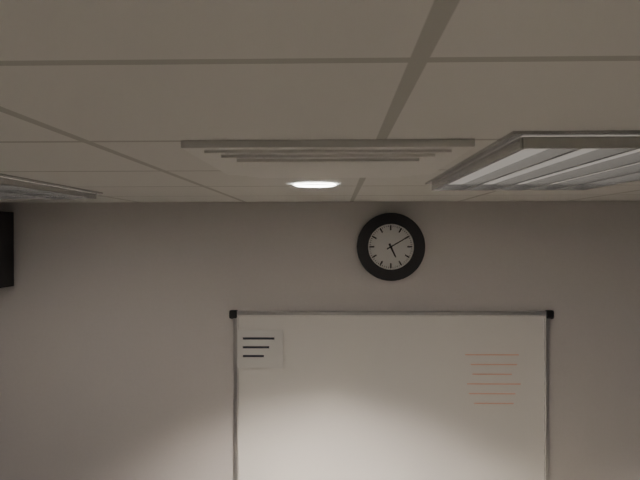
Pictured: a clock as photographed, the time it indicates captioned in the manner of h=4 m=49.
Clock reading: h=5 m=10
